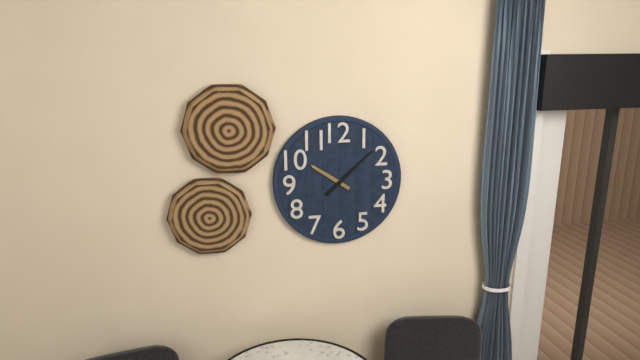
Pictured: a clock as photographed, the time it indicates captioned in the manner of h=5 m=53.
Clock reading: h=10 m=8
